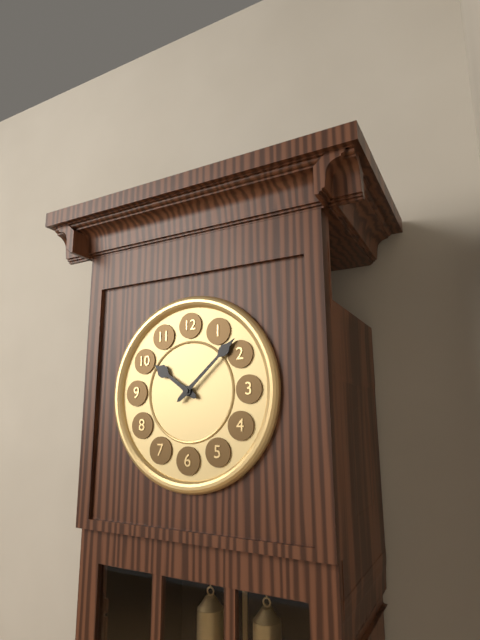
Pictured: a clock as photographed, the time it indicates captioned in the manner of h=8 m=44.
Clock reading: h=10 m=8
